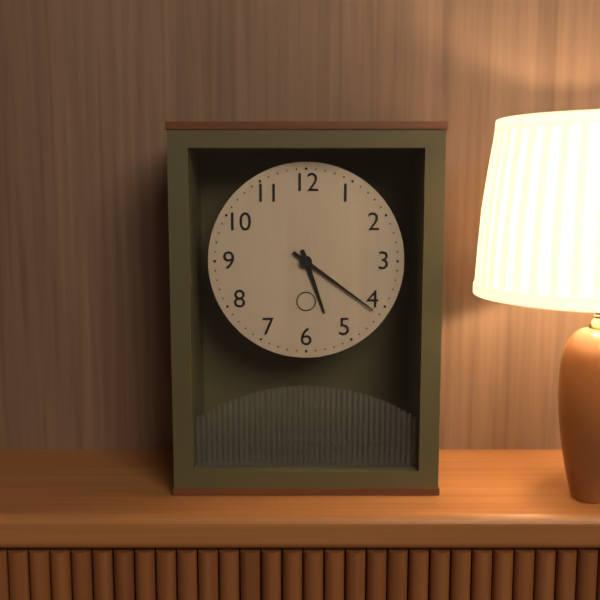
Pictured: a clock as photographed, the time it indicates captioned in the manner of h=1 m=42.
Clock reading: h=5 m=21
